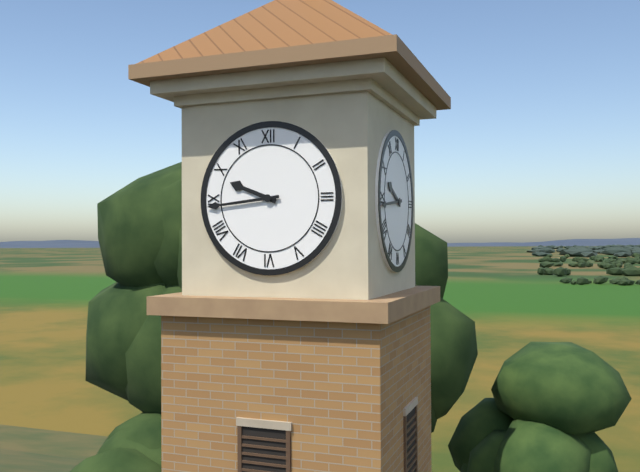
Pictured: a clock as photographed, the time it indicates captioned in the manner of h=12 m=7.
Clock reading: h=9 m=44
